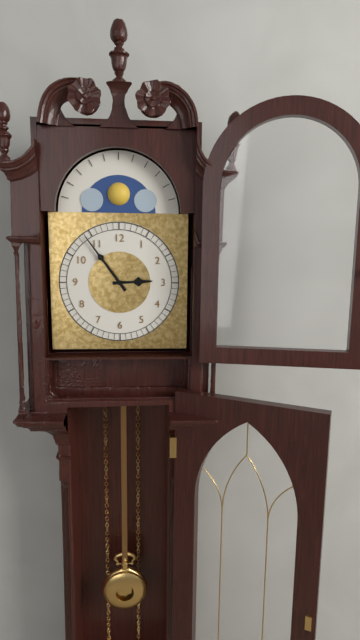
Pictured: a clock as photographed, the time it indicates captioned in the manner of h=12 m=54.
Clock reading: h=2 m=54
